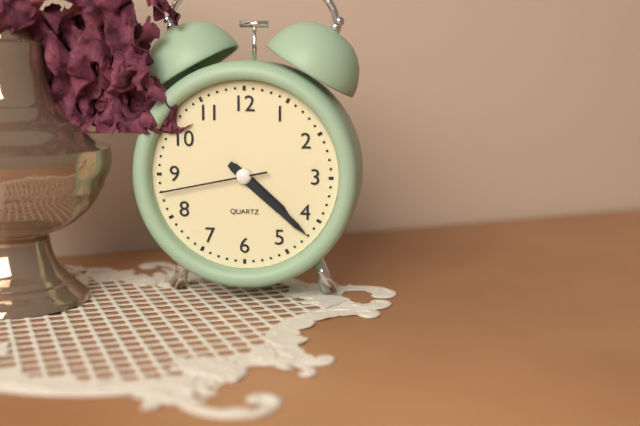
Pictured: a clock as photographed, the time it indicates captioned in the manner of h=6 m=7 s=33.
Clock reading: h=4 m=22 s=43
